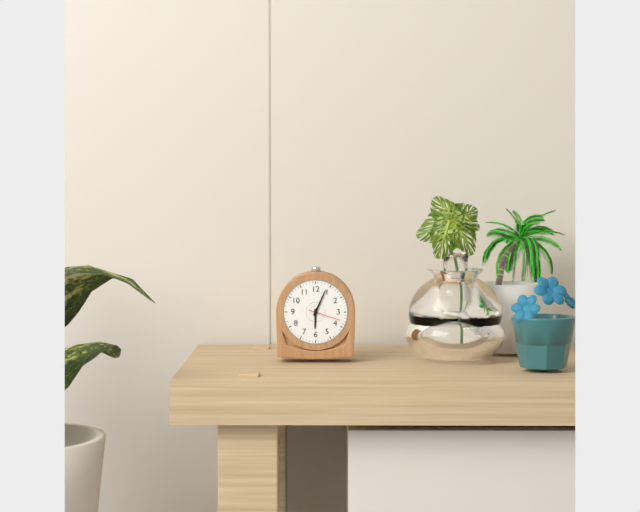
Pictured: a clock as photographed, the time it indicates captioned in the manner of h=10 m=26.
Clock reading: h=6 m=4
